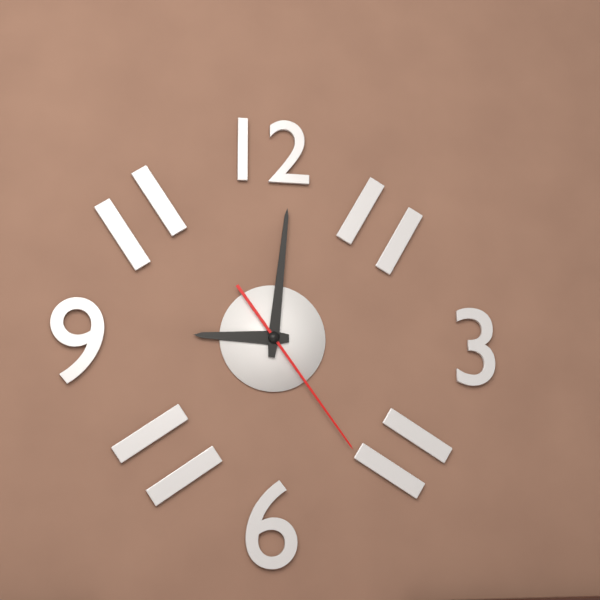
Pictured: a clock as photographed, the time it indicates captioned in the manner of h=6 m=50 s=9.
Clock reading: h=9 m=1 s=24
